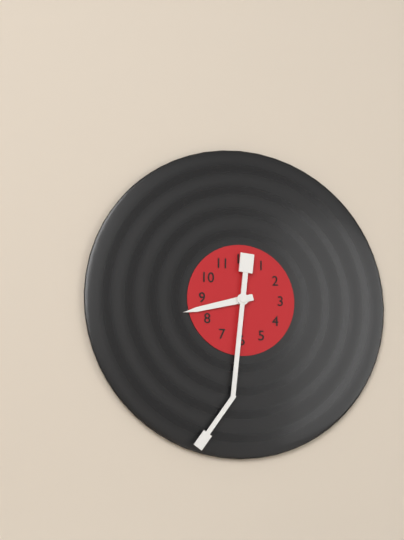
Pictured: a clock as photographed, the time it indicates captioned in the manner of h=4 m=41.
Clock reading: h=8 m=31
